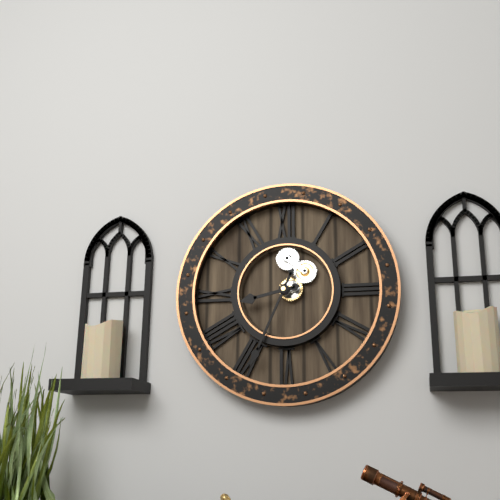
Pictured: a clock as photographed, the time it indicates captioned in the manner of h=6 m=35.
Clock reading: h=8 m=34
